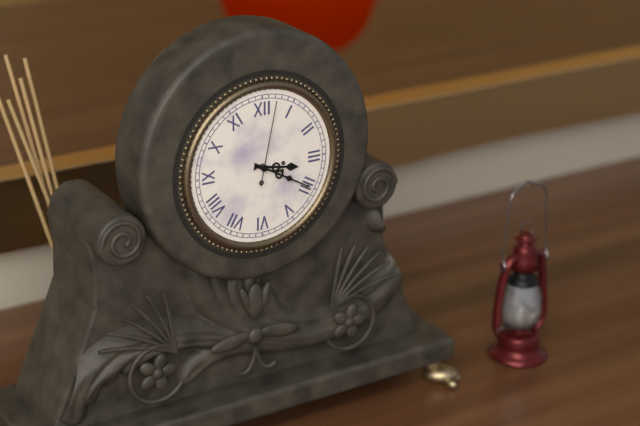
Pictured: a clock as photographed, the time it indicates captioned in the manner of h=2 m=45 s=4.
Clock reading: h=3 m=20 s=2
